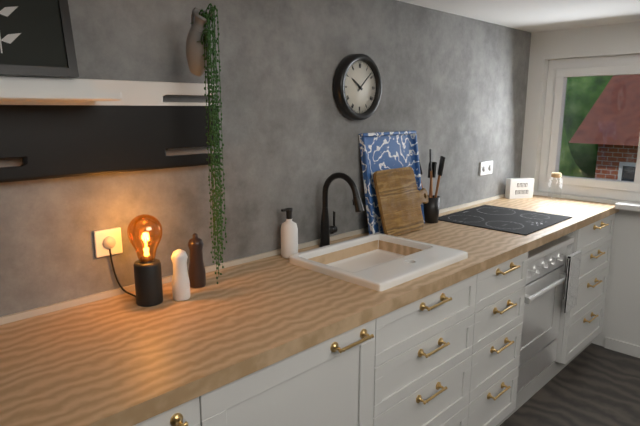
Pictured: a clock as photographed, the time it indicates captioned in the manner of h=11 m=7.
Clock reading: h=10 m=8
